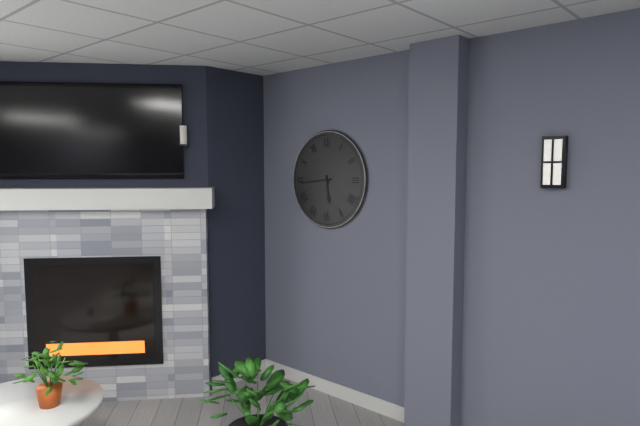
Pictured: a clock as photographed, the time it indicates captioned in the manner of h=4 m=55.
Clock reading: h=5 m=44
